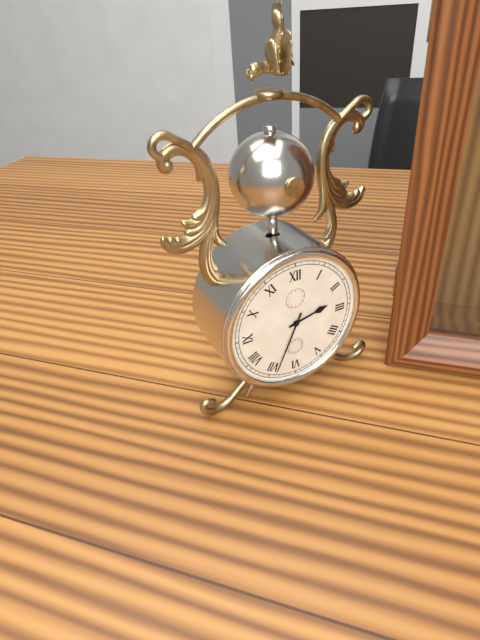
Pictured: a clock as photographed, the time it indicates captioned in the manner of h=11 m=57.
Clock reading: h=2 m=34
